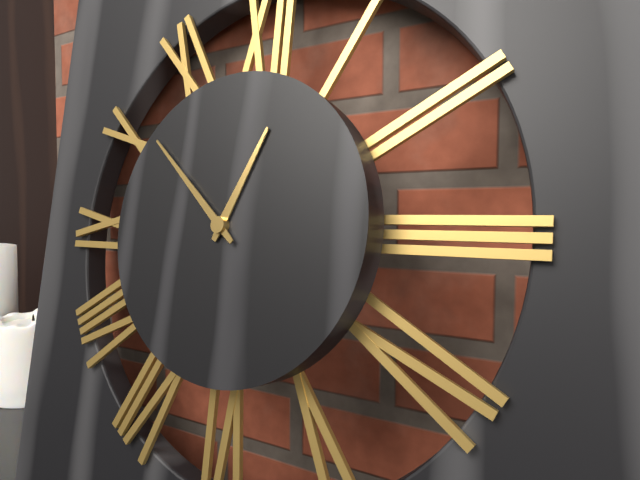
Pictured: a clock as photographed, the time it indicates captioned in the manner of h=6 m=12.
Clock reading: h=12 m=52
